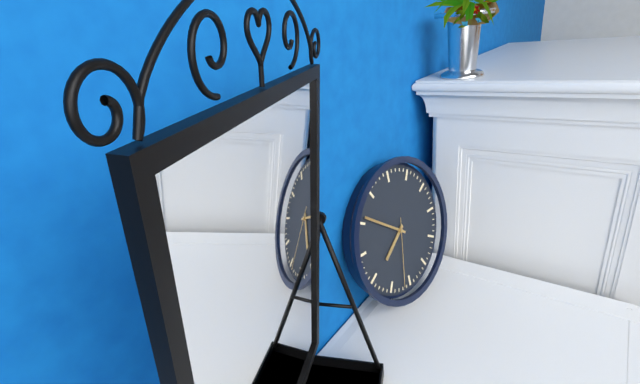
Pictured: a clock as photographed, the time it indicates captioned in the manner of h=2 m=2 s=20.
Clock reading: h=7 m=51 s=32
